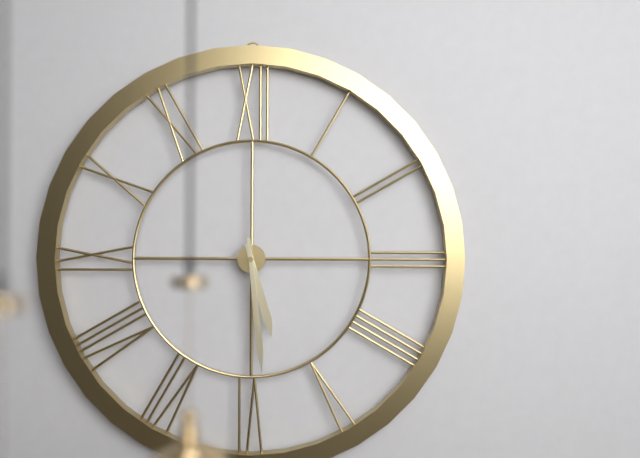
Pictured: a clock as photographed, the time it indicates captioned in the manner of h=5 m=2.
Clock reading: h=5 m=29
